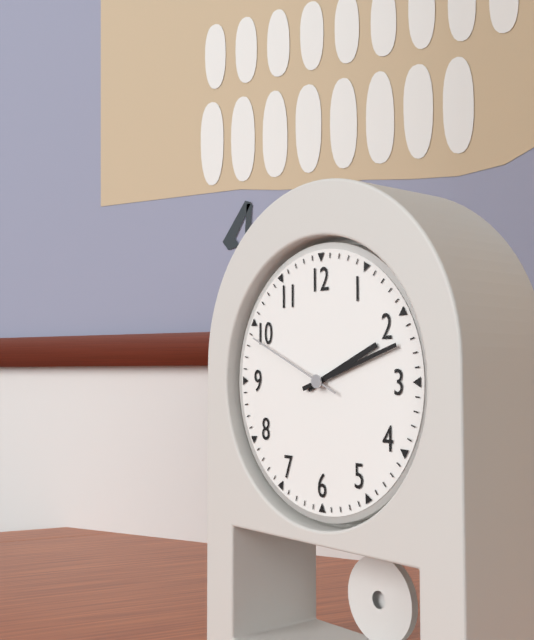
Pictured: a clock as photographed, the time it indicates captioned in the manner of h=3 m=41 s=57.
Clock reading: h=2 m=12 s=49
